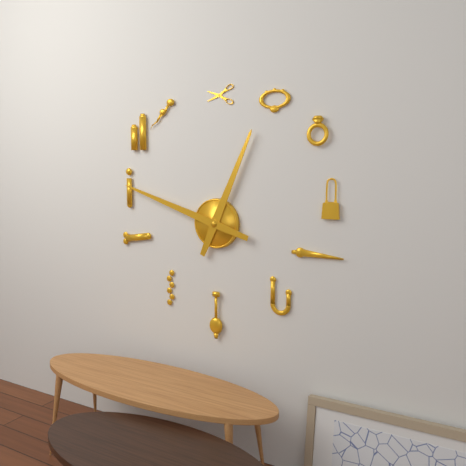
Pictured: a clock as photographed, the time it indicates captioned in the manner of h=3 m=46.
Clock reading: h=12 m=48
